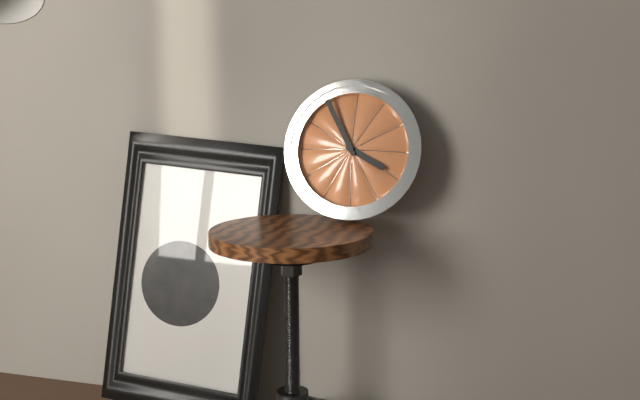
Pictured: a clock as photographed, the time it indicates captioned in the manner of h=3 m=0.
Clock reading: h=3 m=55
